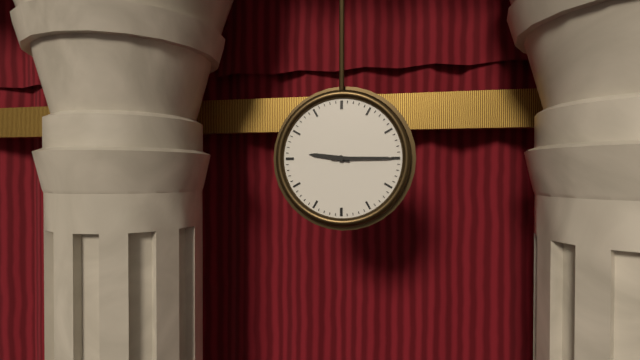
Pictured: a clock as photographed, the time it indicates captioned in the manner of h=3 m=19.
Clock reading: h=9 m=15
